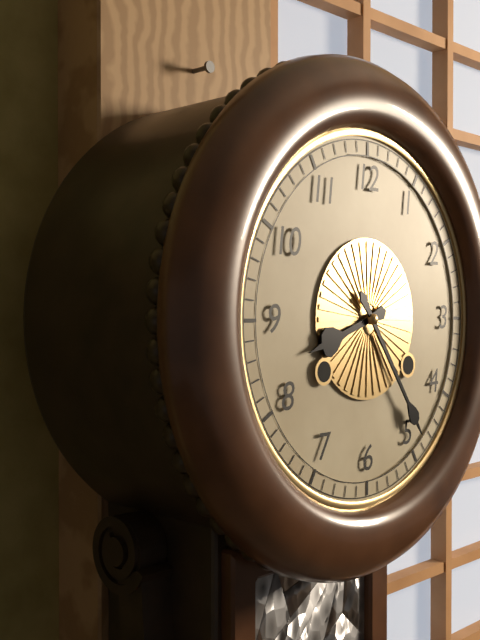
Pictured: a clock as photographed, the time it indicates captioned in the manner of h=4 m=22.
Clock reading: h=8 m=24
